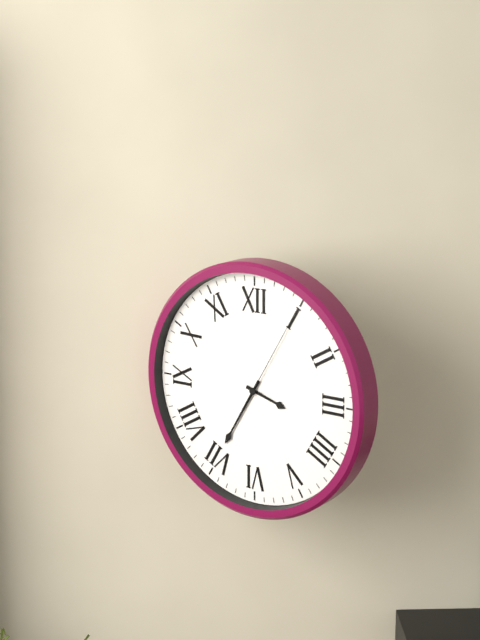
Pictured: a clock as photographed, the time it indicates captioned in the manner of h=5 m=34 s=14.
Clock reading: h=3 m=35 s=5
